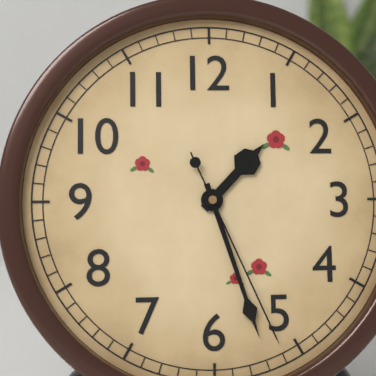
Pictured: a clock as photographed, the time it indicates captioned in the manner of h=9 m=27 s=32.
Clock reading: h=1 m=27 s=26
